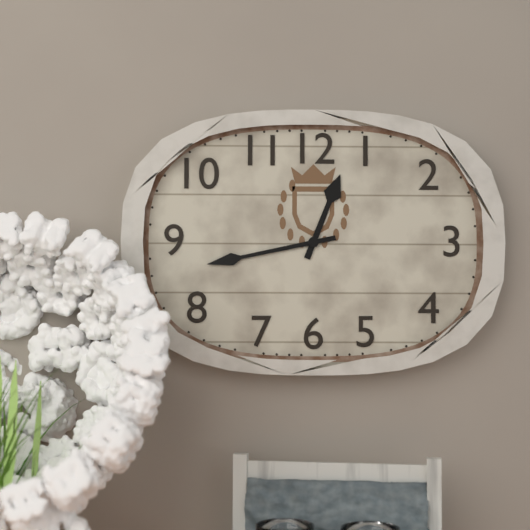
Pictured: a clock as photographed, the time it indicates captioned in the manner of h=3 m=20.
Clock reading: h=12 m=43
